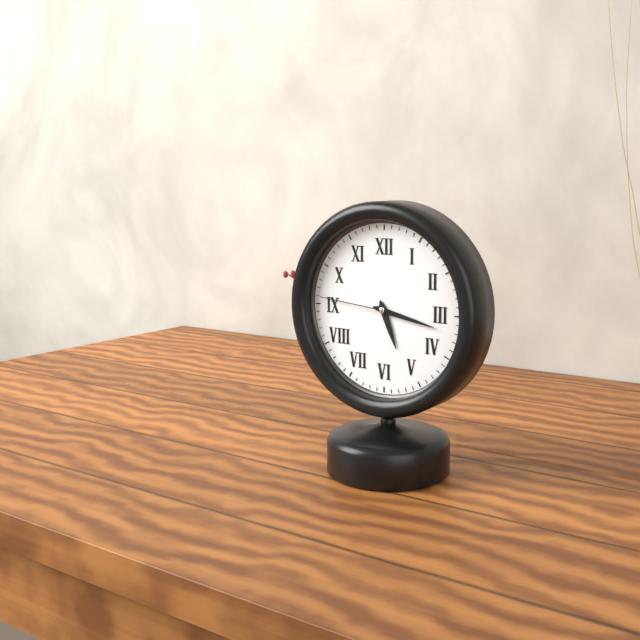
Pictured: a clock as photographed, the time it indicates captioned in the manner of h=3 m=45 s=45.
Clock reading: h=5 m=17 s=46
